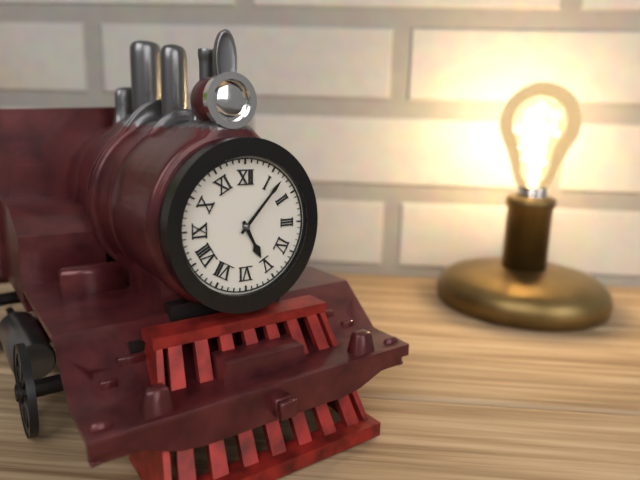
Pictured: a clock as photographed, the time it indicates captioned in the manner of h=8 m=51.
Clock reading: h=5 m=7
